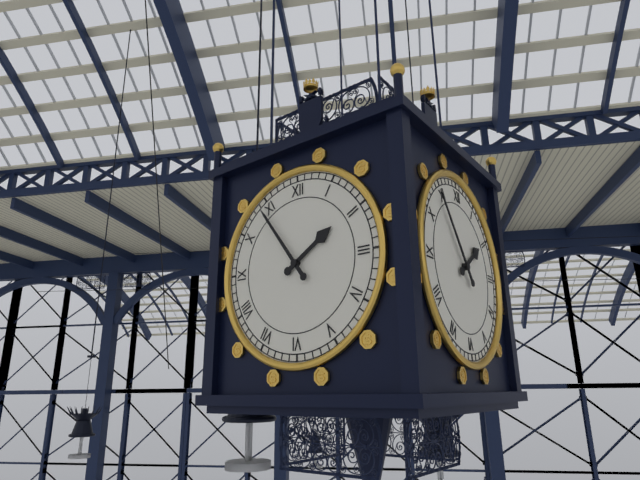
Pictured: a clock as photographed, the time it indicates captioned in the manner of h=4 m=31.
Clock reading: h=1 m=54
